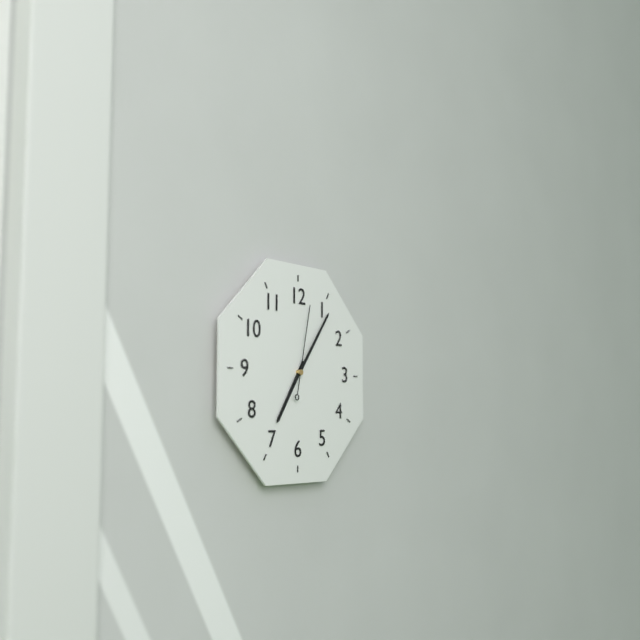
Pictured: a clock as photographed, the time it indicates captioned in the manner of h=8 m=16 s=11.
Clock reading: h=7 m=6 s=2
